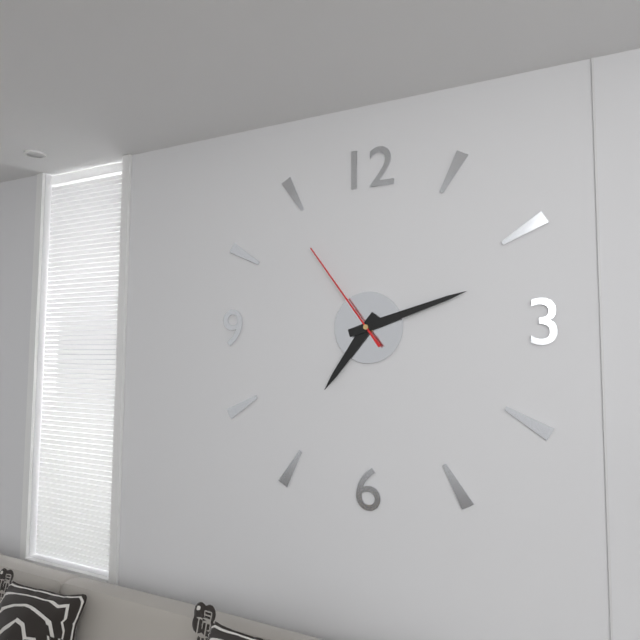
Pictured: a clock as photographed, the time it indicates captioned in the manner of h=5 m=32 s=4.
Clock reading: h=7 m=12 s=54
